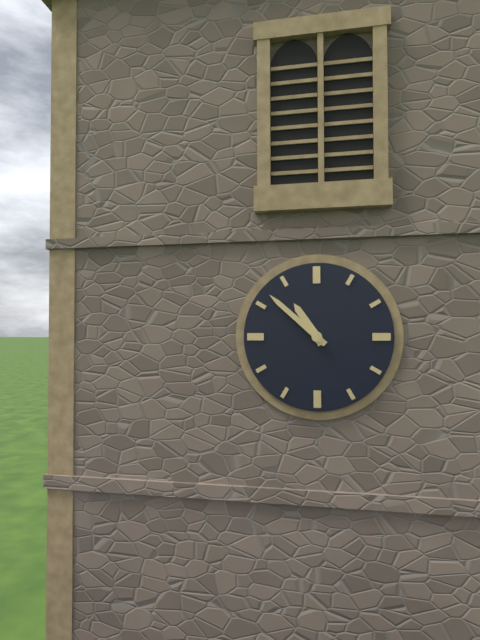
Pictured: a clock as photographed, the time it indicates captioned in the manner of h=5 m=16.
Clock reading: h=10 m=52
